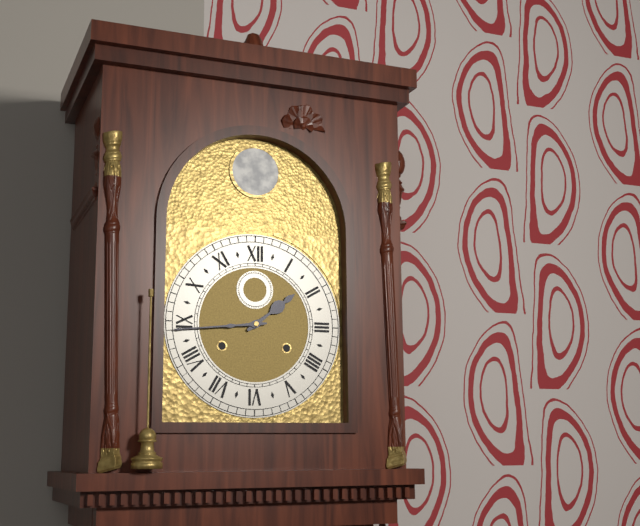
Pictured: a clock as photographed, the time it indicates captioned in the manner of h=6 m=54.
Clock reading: h=1 m=44
